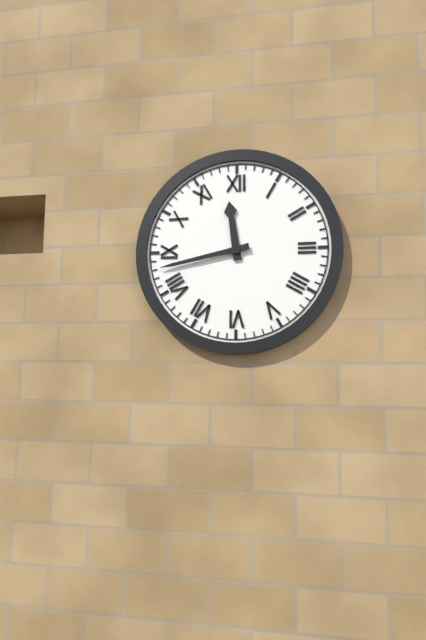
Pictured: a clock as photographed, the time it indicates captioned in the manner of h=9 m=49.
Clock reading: h=11 m=43
